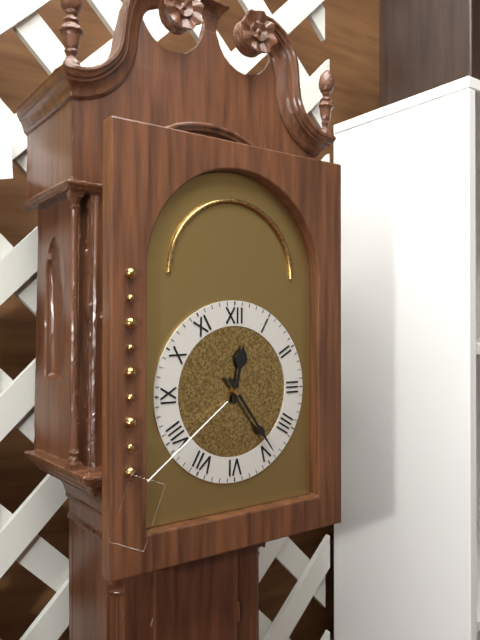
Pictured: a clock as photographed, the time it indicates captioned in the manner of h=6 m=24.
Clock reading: h=12 m=24
